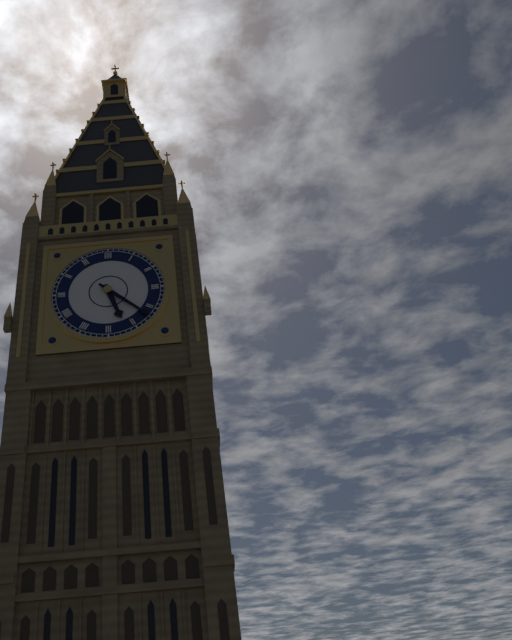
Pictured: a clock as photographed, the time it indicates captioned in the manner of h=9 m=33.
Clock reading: h=5 m=22
